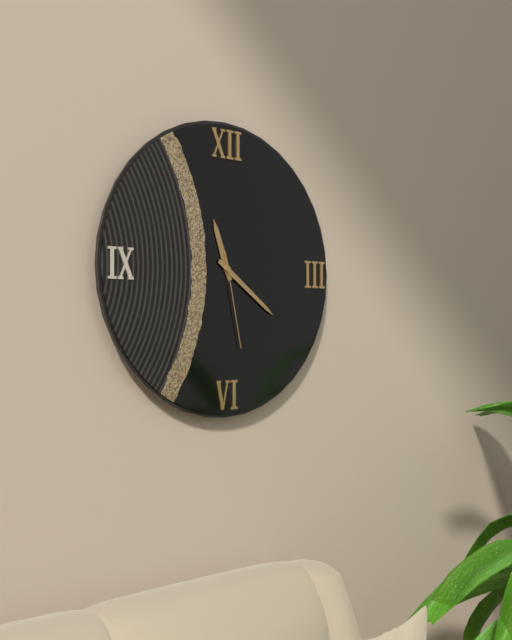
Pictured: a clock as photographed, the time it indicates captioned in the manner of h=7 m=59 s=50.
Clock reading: h=11 m=21 s=28
